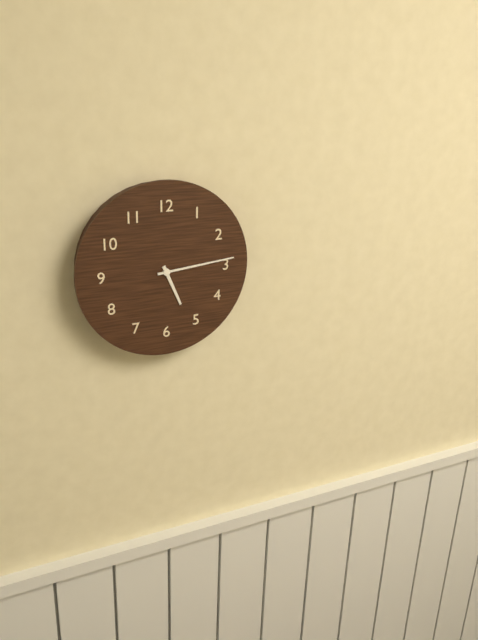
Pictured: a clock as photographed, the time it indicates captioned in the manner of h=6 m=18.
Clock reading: h=5 m=14
